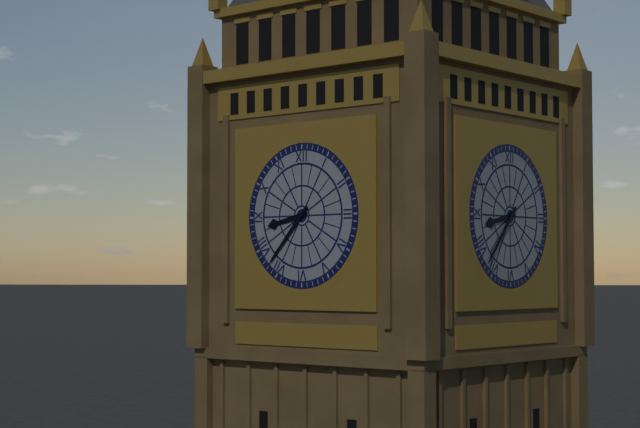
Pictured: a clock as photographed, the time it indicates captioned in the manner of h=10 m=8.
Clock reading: h=8 m=37
